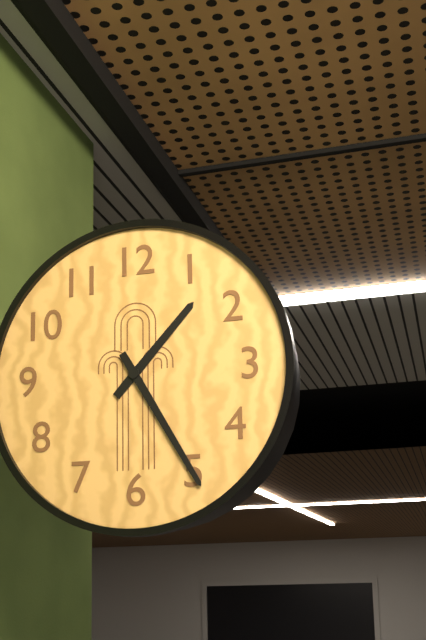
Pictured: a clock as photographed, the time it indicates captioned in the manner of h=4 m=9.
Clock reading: h=1 m=25
